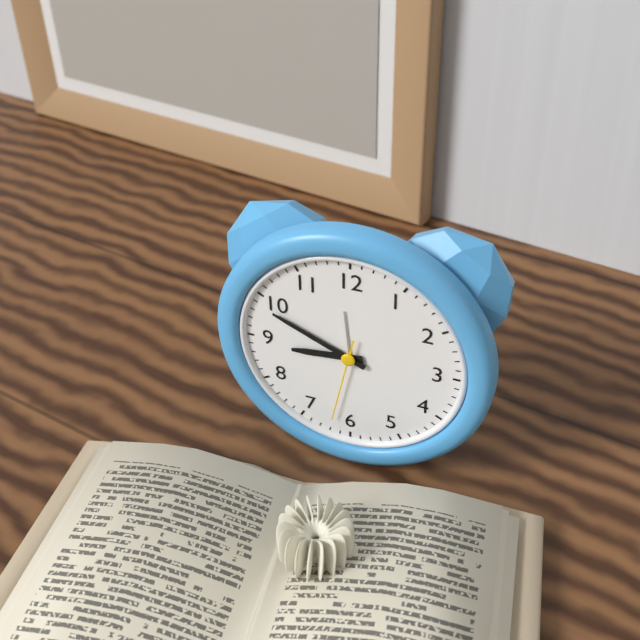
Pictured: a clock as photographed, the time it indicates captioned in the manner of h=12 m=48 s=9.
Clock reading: h=8 m=49 s=32
